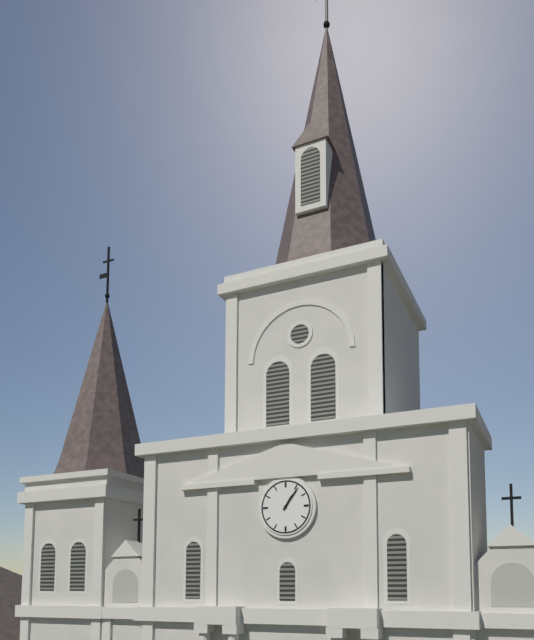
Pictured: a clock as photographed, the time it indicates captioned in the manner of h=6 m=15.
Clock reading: h=1 m=6
